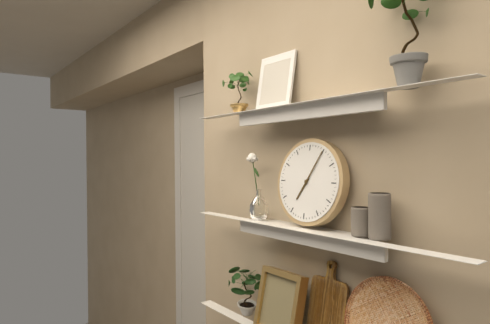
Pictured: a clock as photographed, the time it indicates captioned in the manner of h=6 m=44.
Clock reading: h=7 m=5
